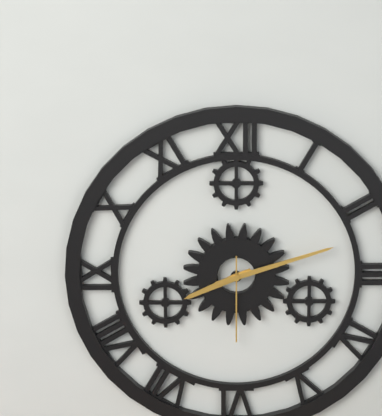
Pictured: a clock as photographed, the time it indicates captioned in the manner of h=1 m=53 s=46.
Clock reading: h=8 m=12 s=30
